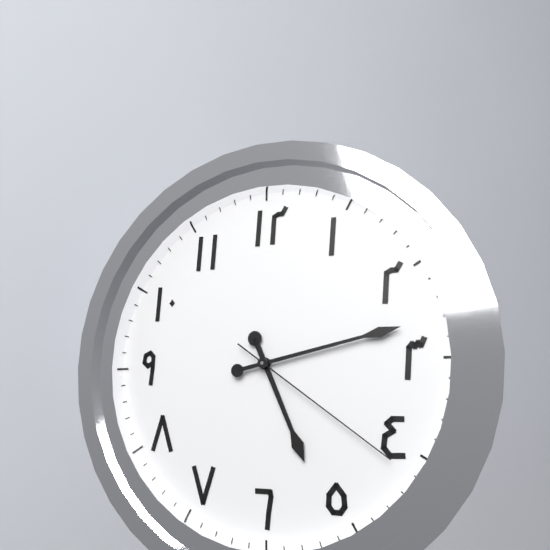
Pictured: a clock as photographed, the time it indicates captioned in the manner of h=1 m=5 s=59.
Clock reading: h=5 m=13 s=21
